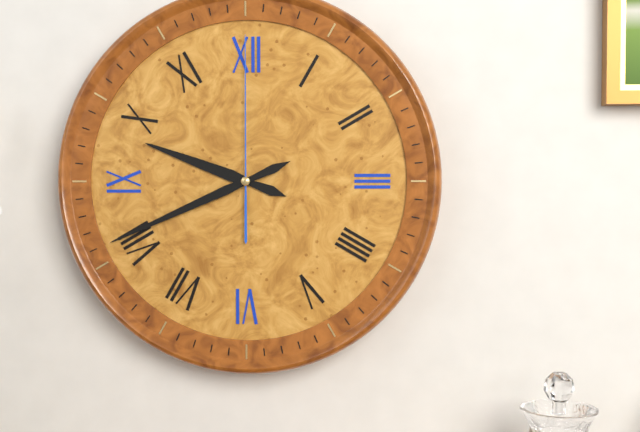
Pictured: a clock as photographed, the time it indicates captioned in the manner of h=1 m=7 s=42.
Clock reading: h=9 m=41 s=0
